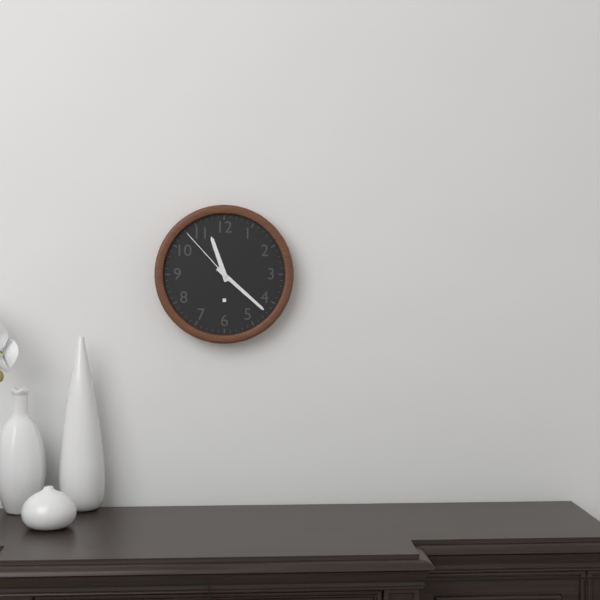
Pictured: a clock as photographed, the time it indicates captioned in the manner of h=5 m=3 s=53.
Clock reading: h=11 m=22 s=53
